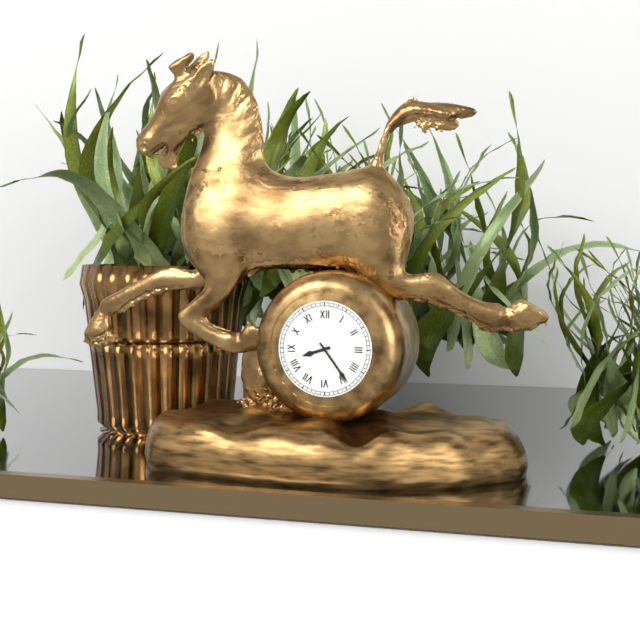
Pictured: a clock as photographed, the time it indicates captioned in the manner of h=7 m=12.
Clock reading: h=8 m=24
